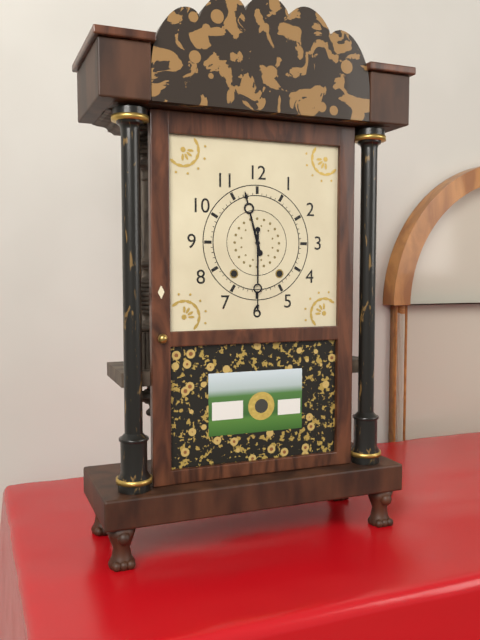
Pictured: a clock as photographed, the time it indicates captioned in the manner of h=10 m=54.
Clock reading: h=11 m=30
